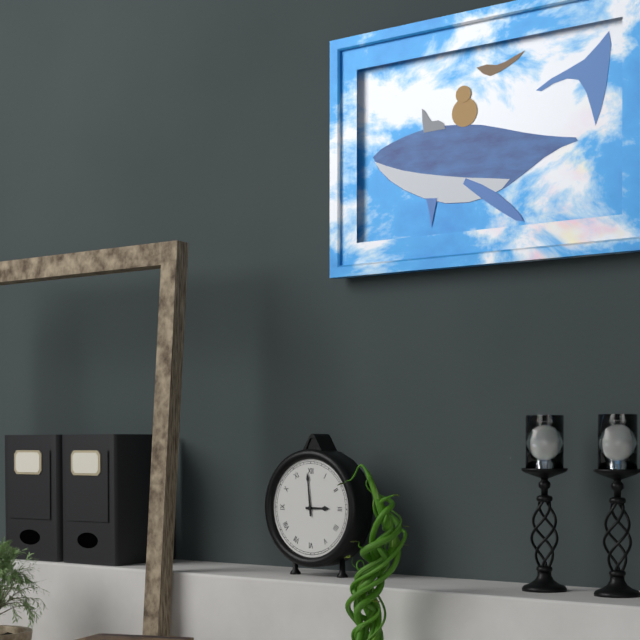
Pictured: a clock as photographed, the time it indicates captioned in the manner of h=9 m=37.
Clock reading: h=2 m=59
